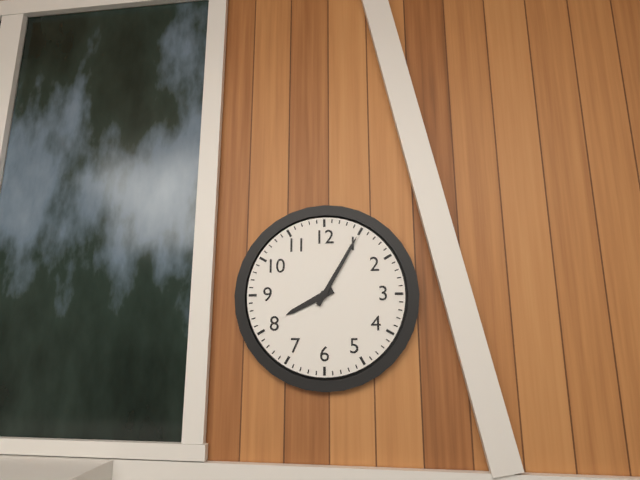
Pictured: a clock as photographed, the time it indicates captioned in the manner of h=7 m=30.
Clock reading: h=8 m=5
